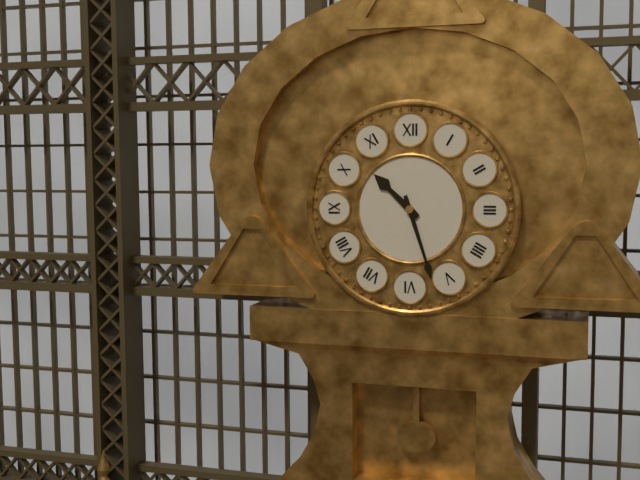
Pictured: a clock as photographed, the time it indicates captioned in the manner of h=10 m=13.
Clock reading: h=10 m=27
